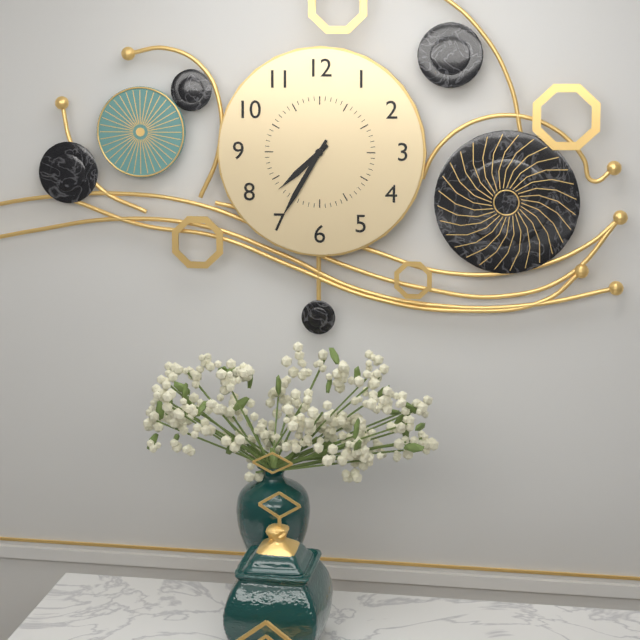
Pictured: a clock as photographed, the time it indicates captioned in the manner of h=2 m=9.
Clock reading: h=7 m=35
